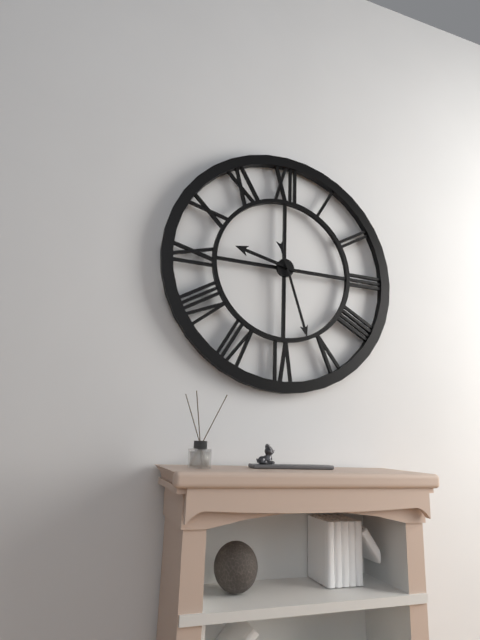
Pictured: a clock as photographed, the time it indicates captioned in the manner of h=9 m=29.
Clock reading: h=9 m=27
